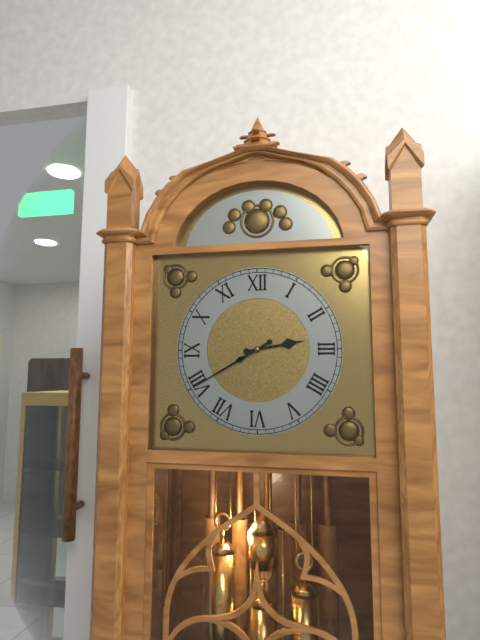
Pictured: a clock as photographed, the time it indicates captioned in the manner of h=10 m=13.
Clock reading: h=2 m=40
